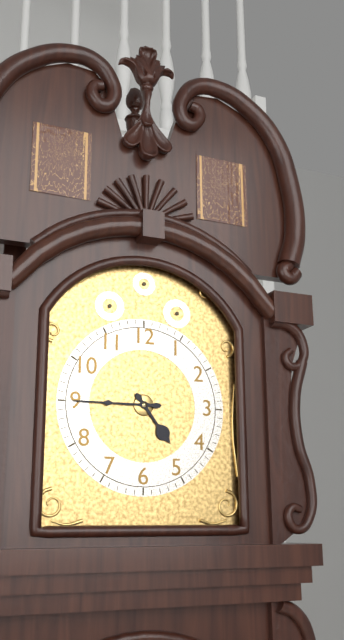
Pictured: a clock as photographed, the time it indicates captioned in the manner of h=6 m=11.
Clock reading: h=4 m=45
